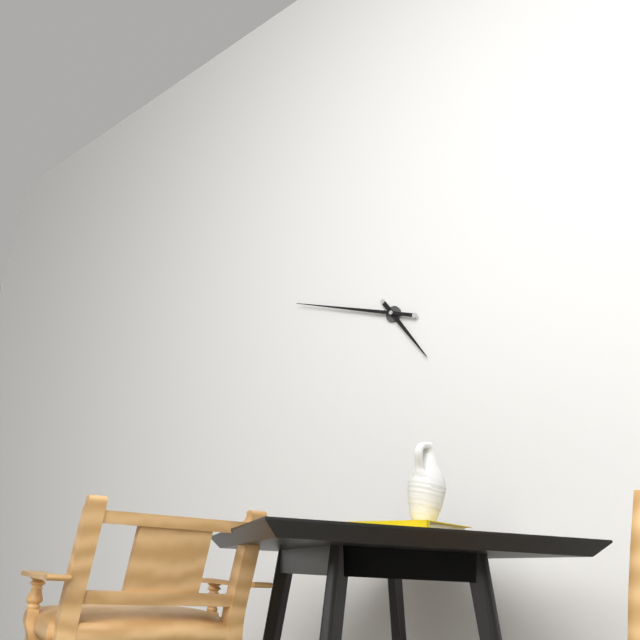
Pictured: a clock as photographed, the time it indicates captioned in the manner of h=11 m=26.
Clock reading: h=4 m=48
